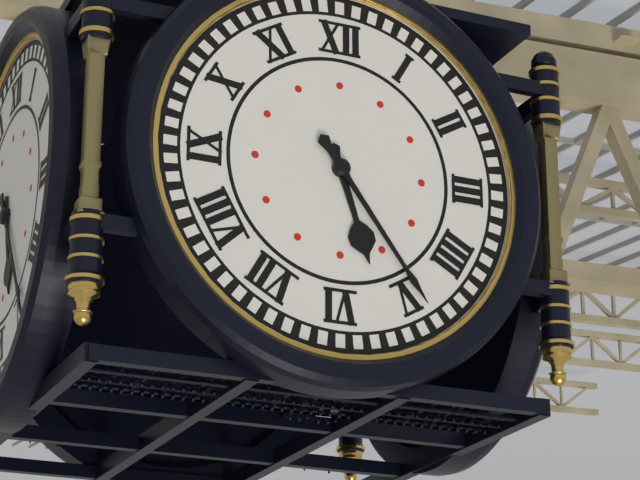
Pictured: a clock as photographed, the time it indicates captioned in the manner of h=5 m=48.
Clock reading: h=5 m=24
